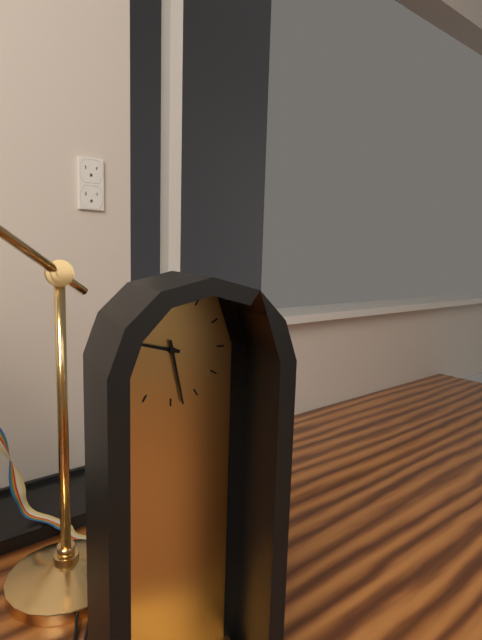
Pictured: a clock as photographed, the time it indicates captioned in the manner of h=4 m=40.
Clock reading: h=9 m=28
